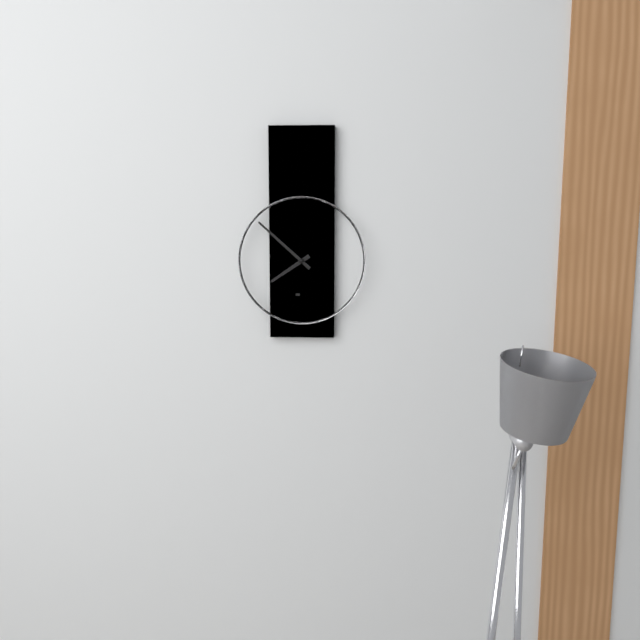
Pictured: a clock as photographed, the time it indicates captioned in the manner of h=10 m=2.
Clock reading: h=7 m=52
